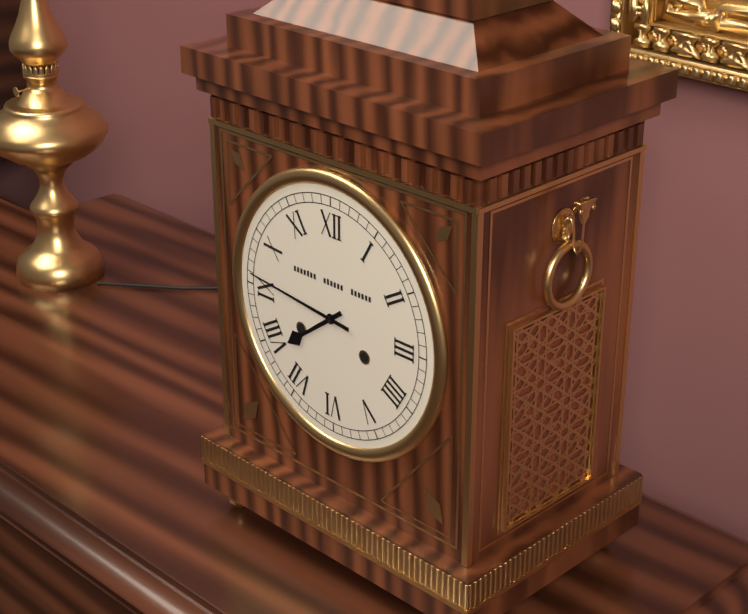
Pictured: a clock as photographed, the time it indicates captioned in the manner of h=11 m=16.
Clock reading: h=7 m=46
